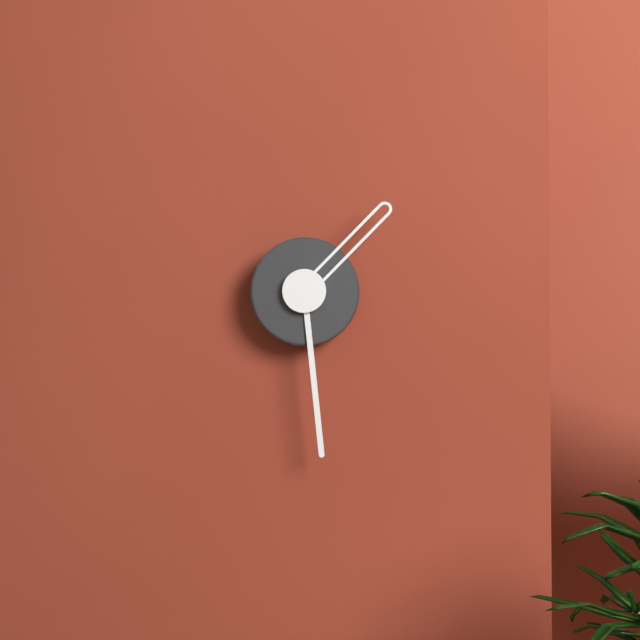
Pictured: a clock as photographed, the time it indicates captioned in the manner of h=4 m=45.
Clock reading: h=1 m=29
